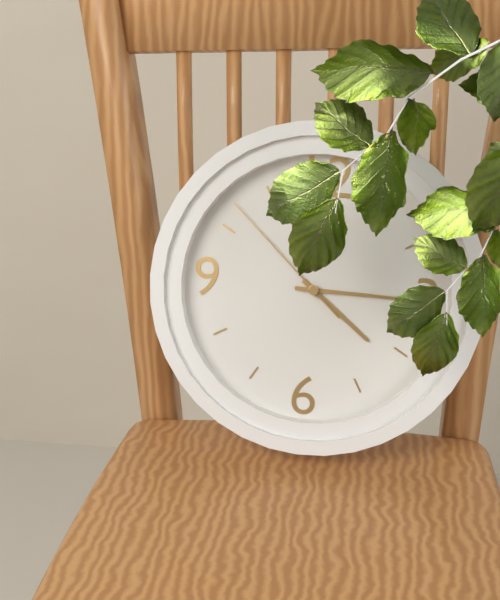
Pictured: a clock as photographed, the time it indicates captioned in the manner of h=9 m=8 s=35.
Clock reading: h=4 m=15 s=52
